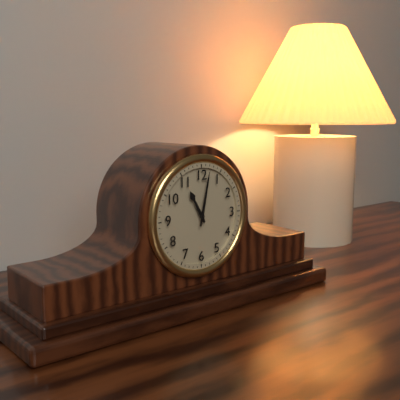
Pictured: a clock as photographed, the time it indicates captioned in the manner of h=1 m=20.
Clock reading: h=11 m=2
